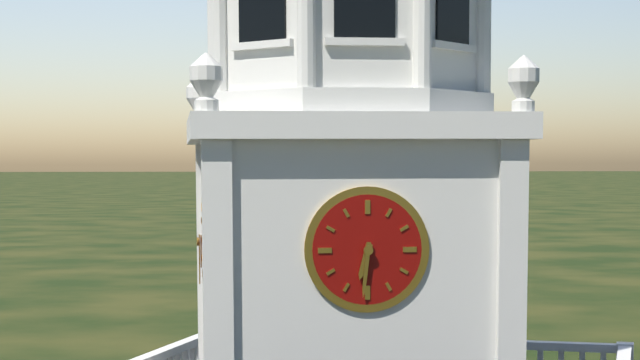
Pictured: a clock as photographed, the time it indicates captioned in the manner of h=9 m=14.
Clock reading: h=6 m=31
